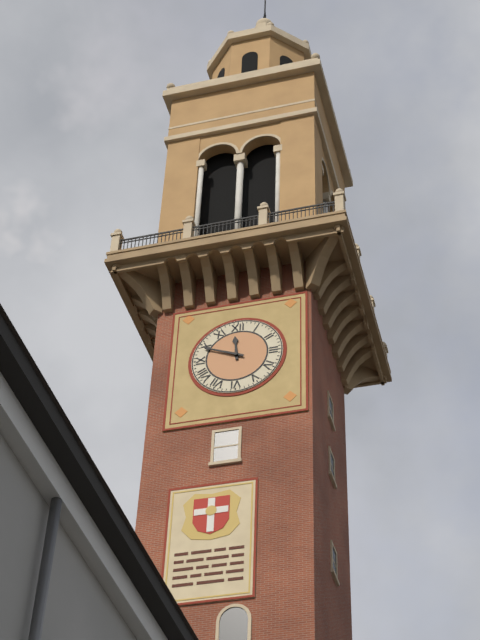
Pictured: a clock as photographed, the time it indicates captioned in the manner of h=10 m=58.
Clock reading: h=11 m=49
